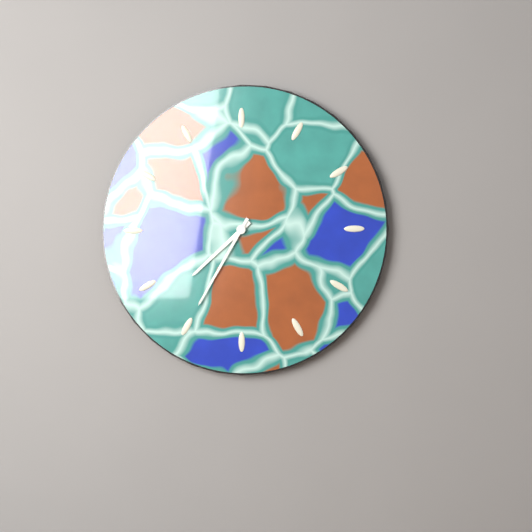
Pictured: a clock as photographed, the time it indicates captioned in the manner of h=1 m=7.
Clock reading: h=7 m=35
